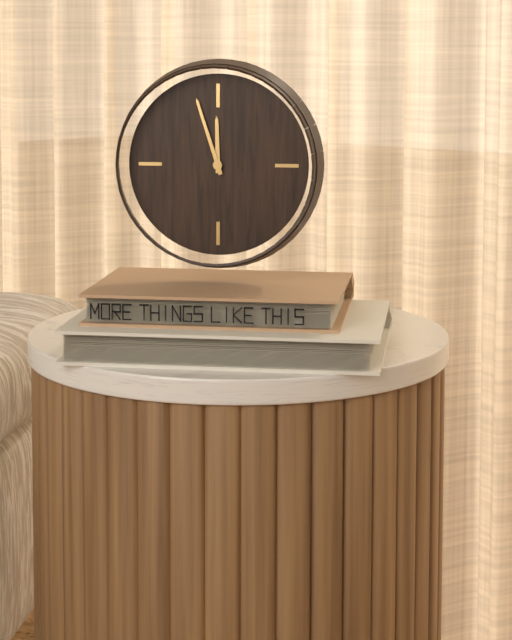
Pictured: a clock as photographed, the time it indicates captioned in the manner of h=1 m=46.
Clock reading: h=11 m=57
